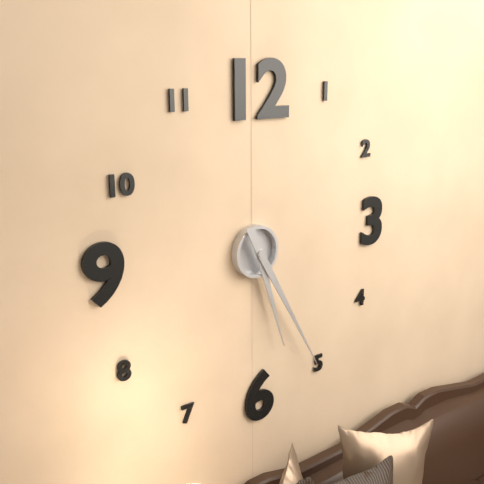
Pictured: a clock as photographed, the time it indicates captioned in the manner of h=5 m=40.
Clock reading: h=5 m=25
